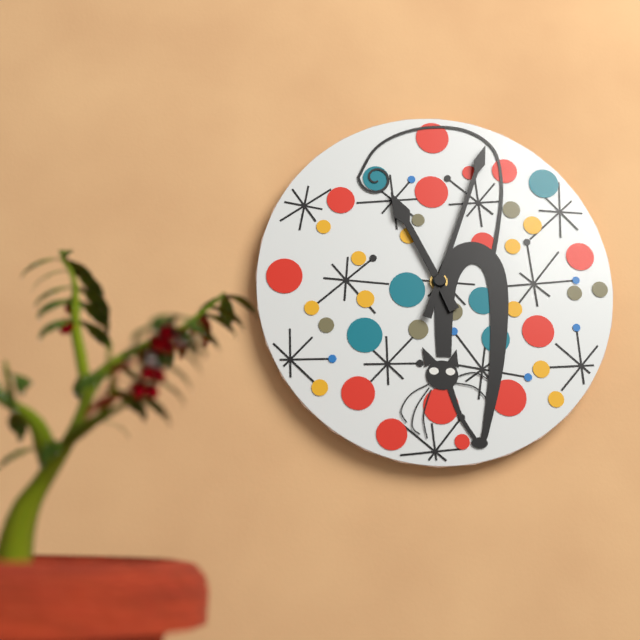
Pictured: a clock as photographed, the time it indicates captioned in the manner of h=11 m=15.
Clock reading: h=11 m=3
